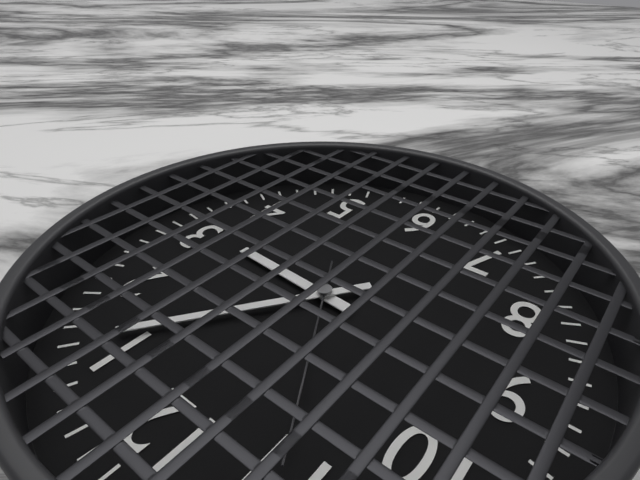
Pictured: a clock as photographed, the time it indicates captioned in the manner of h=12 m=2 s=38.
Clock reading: h=3 m=6 s=55
